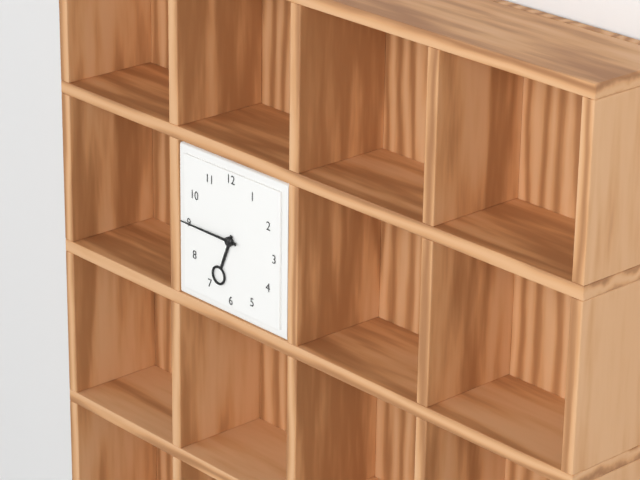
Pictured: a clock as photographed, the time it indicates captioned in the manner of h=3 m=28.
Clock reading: h=6 m=45
